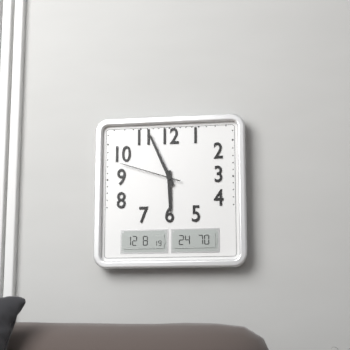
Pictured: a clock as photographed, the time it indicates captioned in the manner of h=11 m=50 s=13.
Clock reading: h=5 m=56 s=48
